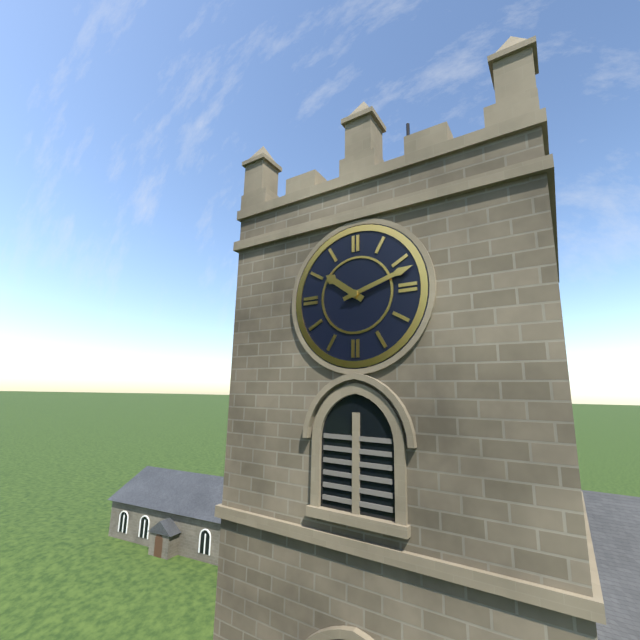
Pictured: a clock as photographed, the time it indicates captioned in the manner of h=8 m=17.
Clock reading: h=10 m=12
